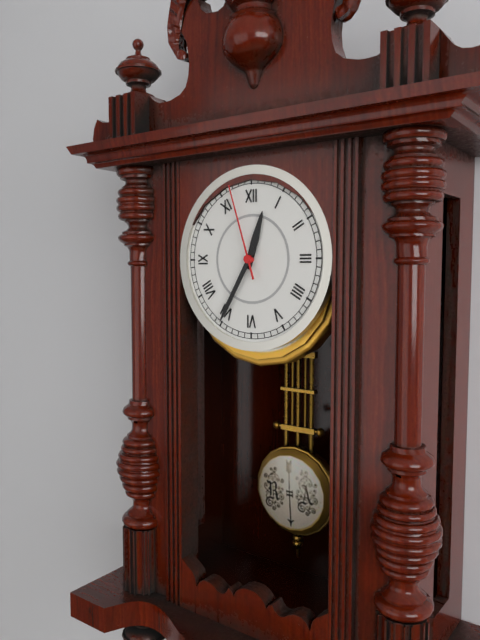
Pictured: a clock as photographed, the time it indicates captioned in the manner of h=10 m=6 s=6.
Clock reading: h=12 m=35 s=57
